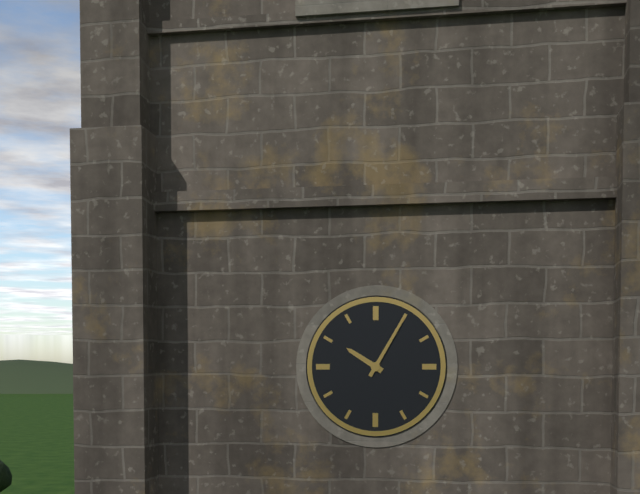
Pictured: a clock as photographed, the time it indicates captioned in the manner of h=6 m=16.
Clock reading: h=10 m=5
